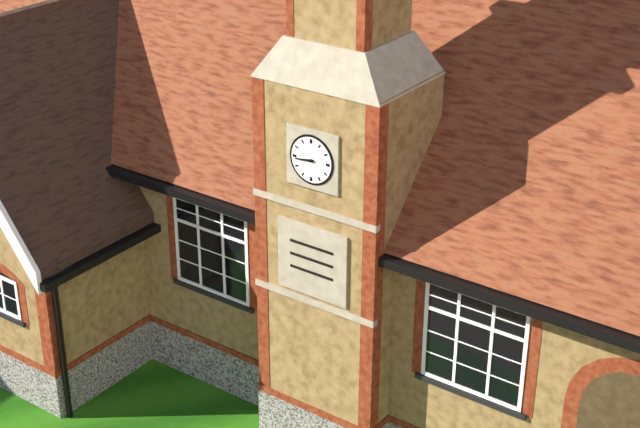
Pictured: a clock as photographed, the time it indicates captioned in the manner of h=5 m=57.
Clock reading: h=8 m=44
